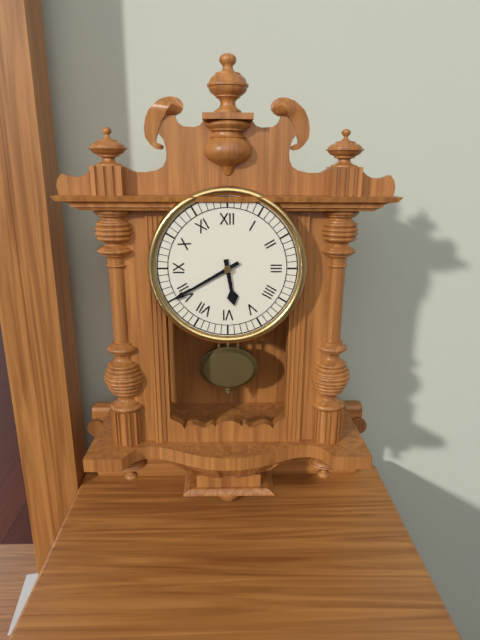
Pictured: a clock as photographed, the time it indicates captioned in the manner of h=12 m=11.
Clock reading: h=5 m=40
